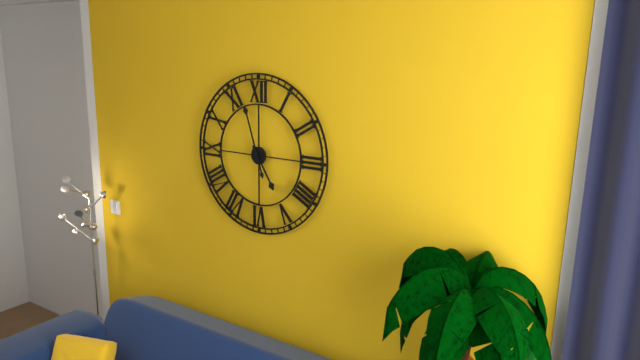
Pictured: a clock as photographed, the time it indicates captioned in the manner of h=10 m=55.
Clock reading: h=4 m=57
